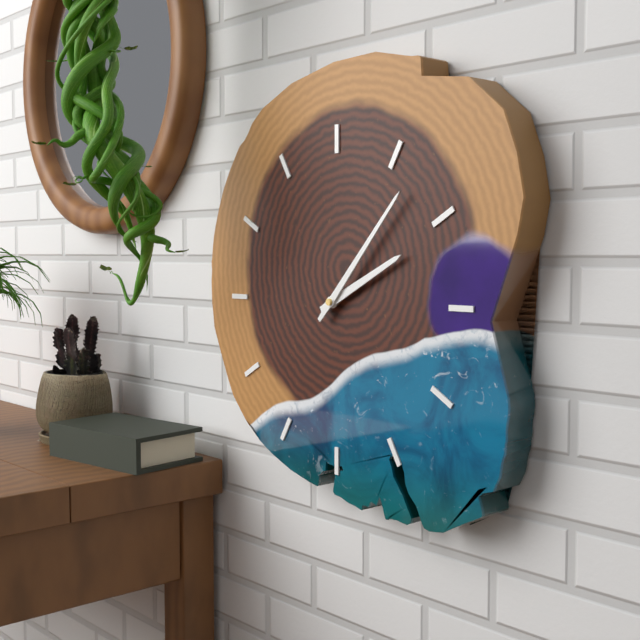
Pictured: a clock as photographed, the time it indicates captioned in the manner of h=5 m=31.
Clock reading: h=2 m=7
